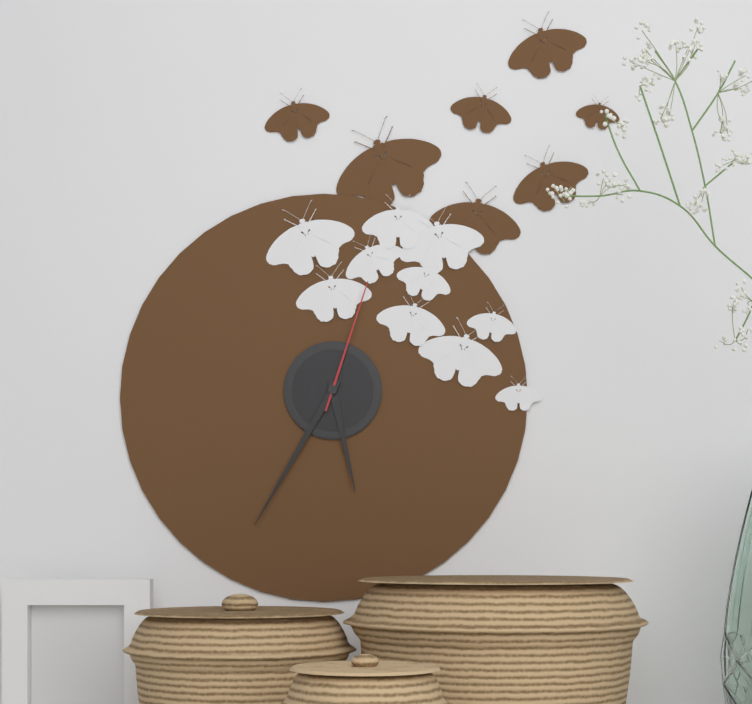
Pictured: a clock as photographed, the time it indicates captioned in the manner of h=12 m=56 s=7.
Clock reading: h=5 m=35 s=3
